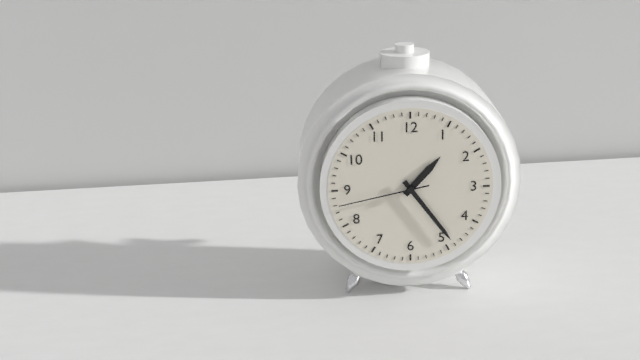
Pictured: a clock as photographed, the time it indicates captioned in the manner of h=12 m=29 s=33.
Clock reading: h=1 m=24 s=43
